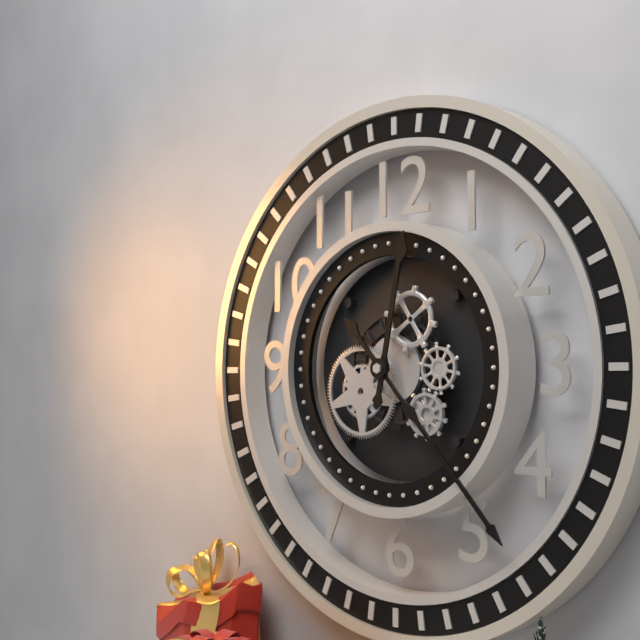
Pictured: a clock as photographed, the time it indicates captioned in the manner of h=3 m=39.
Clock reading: h=12 m=23
